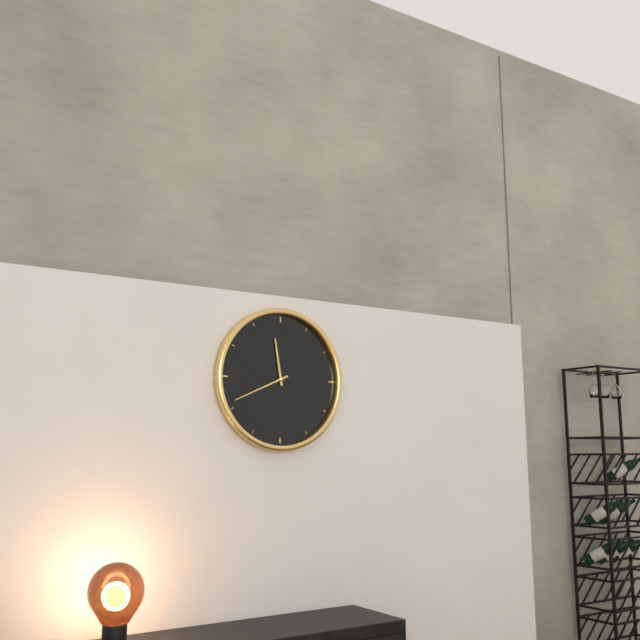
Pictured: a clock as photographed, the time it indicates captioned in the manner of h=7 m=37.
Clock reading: h=11 m=41
